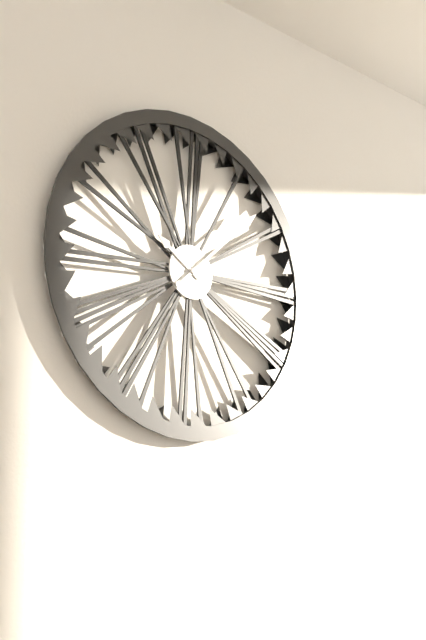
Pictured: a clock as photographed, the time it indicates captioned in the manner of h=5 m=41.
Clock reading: h=10 m=8
